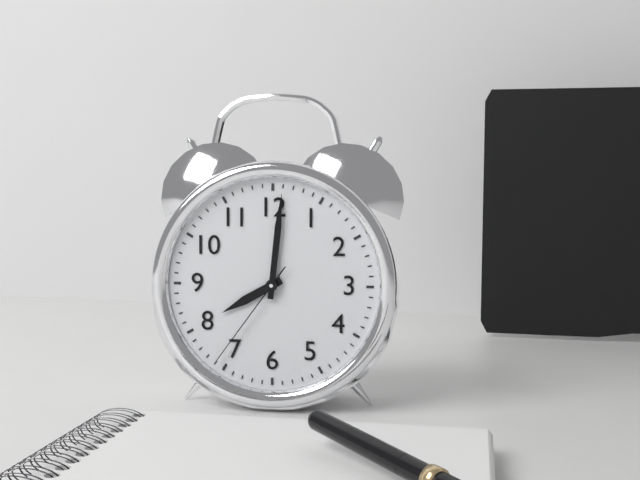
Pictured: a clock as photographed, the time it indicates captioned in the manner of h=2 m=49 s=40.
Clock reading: h=8 m=1 s=36
